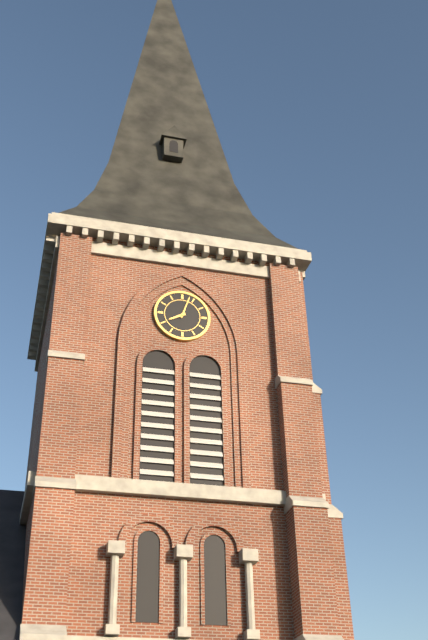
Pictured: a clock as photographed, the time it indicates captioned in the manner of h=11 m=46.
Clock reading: h=8 m=3
